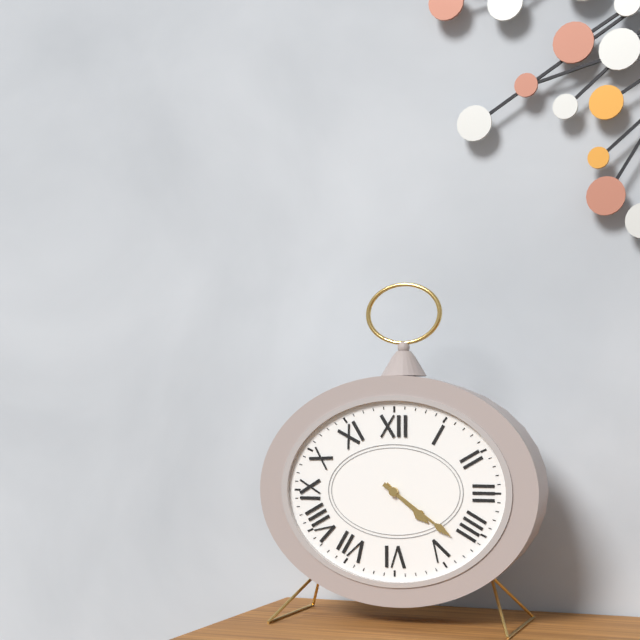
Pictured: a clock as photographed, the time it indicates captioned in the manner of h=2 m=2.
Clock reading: h=4 m=21
